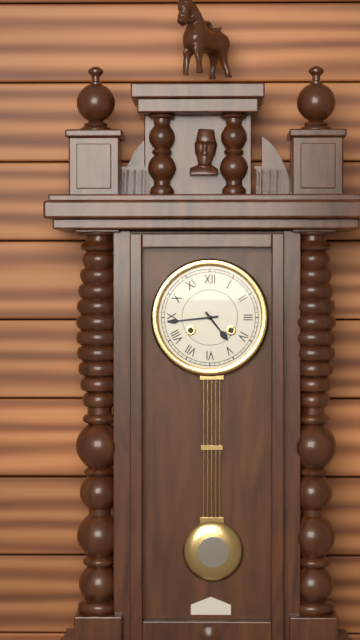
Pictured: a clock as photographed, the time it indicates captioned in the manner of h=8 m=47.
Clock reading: h=4 m=44
